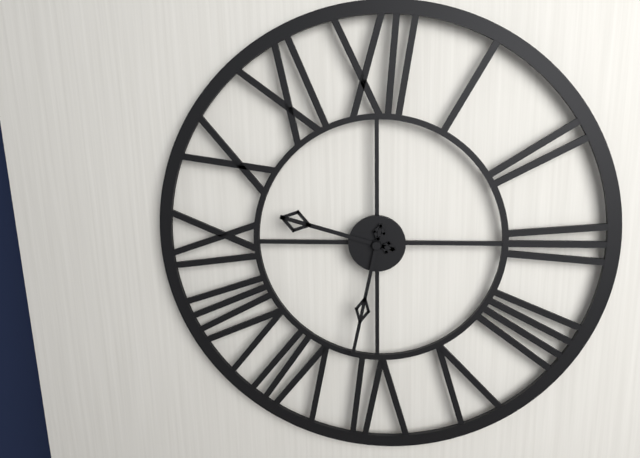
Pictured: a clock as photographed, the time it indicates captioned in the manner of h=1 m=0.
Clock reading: h=9 m=32
